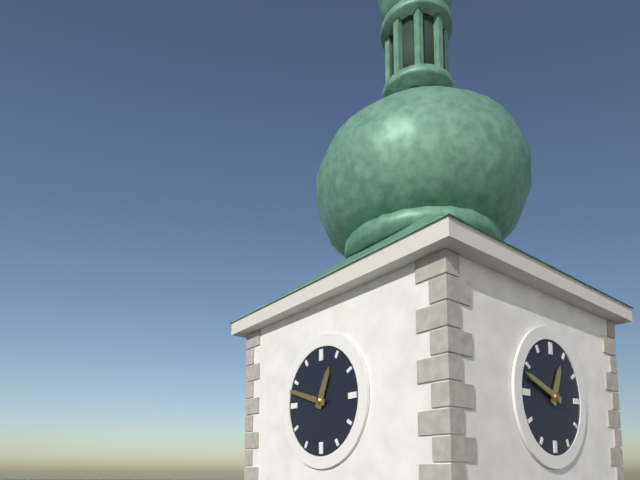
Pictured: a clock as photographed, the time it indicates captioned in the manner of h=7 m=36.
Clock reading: h=12 m=48
